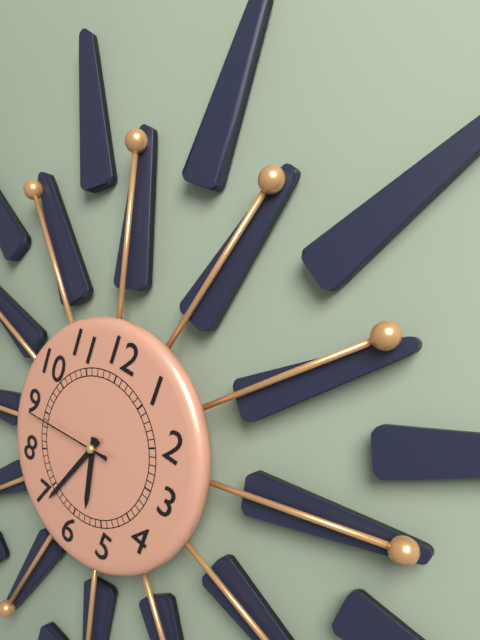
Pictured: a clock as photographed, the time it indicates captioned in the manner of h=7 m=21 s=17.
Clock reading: h=5 m=34 s=44
